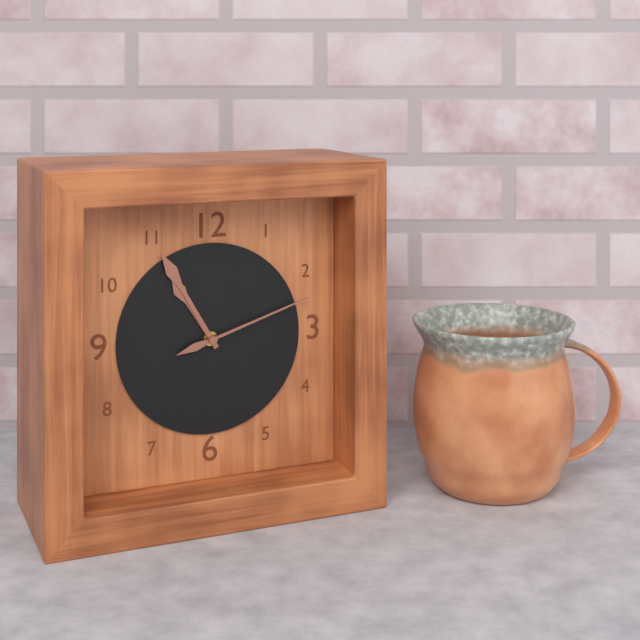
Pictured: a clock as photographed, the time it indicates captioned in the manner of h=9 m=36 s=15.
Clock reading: h=10 m=55 s=12
